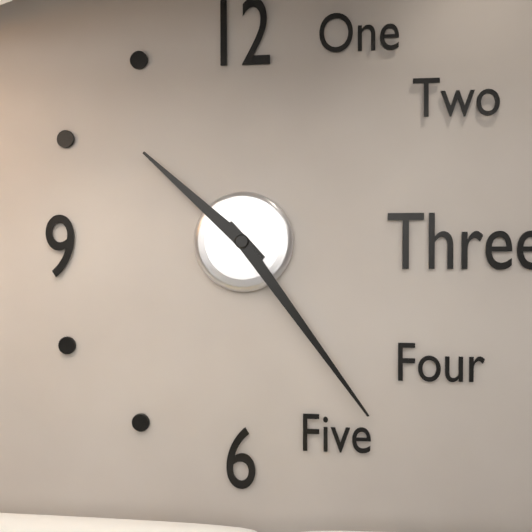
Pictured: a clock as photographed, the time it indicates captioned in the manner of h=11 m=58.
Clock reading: h=10 m=24
